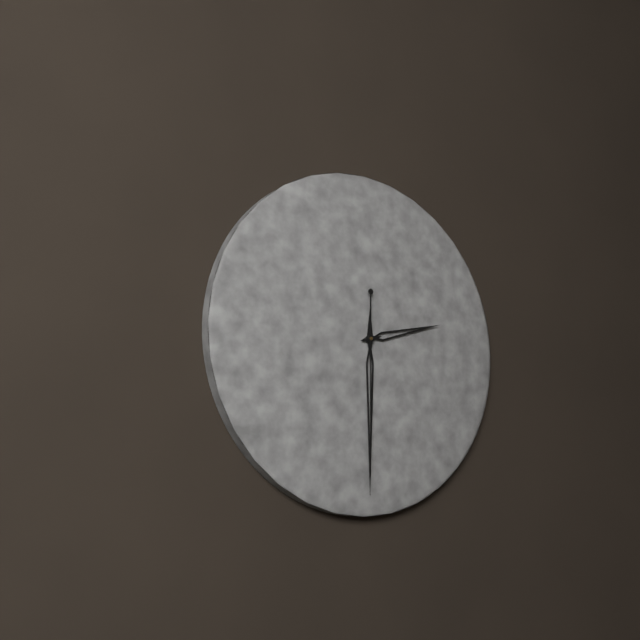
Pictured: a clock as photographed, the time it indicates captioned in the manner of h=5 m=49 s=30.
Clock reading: h=2 m=30 s=30
